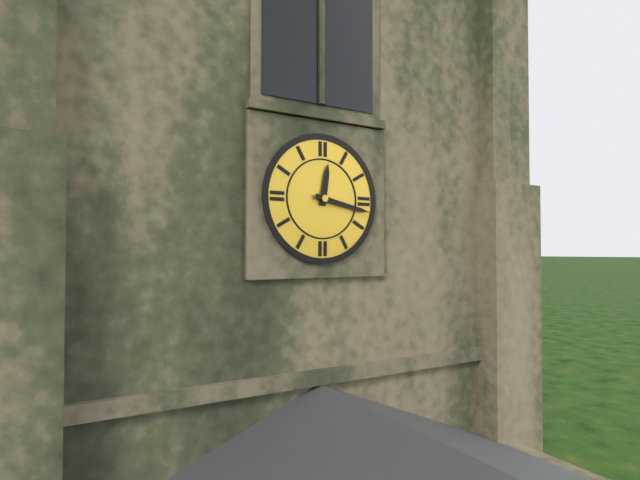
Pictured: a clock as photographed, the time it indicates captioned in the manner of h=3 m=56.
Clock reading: h=12 m=17
